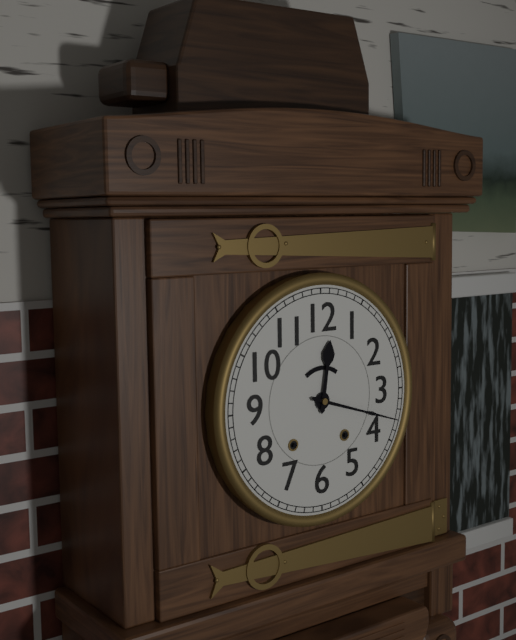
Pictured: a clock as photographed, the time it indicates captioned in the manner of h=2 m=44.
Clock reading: h=12 m=18
